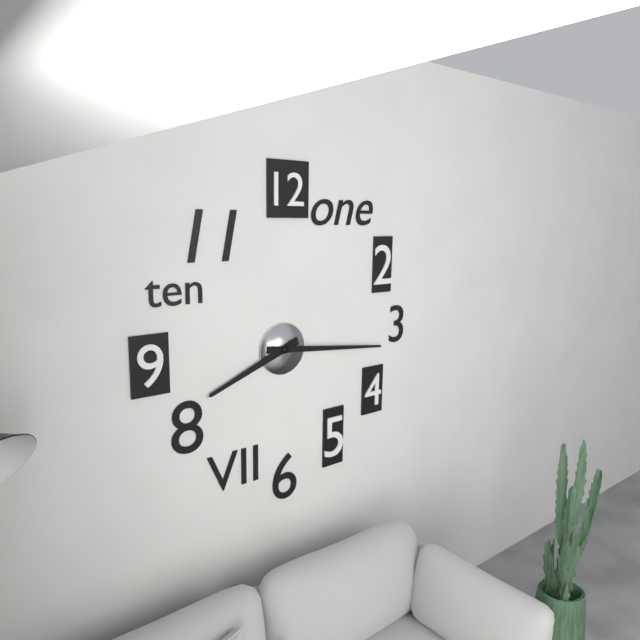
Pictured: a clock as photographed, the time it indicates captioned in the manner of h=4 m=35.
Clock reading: h=8 m=16
